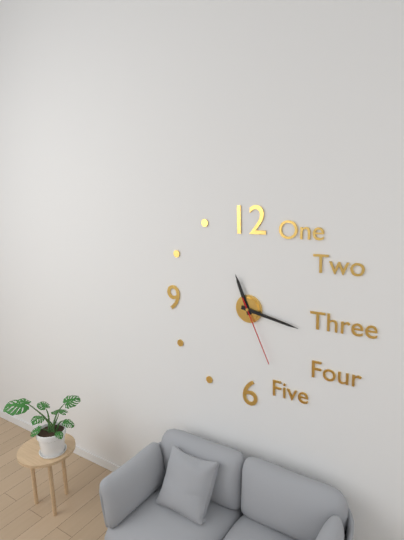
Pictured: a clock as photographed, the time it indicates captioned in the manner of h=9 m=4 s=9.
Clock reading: h=11 m=17 s=26
